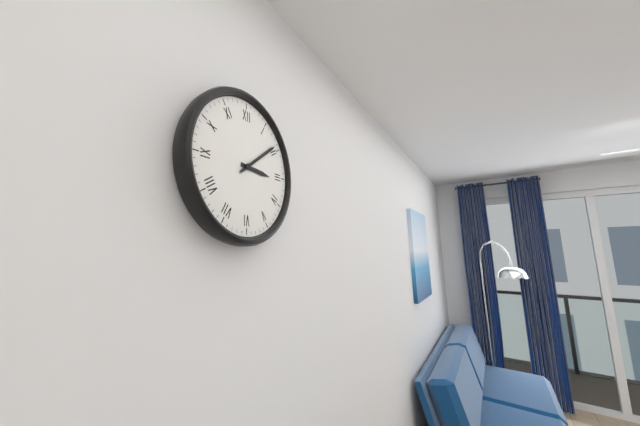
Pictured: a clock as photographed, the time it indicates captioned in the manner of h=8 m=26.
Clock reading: h=3 m=9
